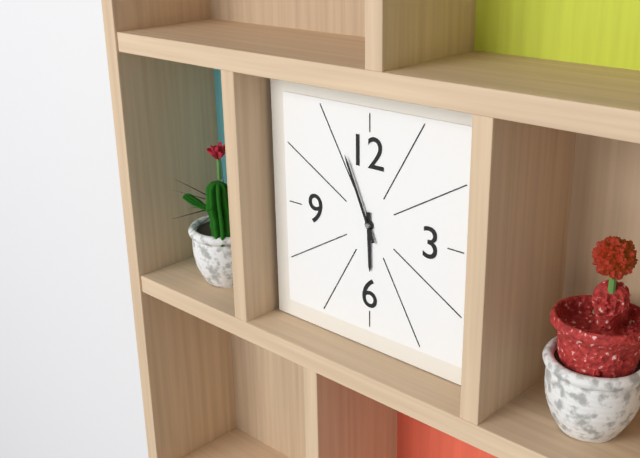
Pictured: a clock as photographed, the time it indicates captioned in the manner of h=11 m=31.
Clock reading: h=5 m=56
